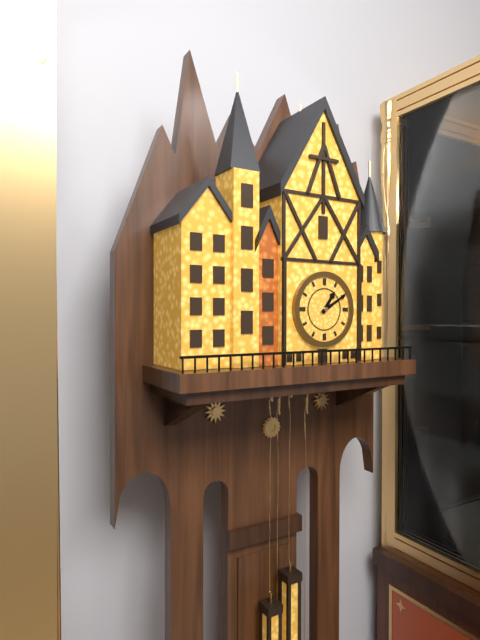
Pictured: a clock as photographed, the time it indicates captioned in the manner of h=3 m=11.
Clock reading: h=1 m=10
